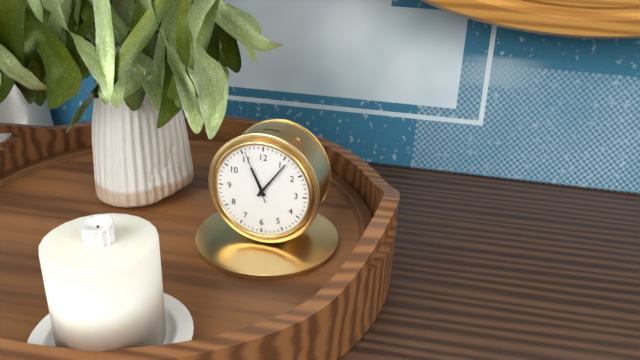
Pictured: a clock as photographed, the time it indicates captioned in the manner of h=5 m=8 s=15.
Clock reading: h=11 m=6 s=56
